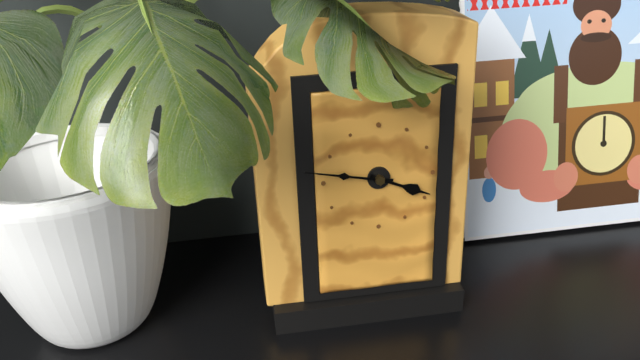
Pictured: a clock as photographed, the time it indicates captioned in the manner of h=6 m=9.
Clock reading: h=3 m=47
